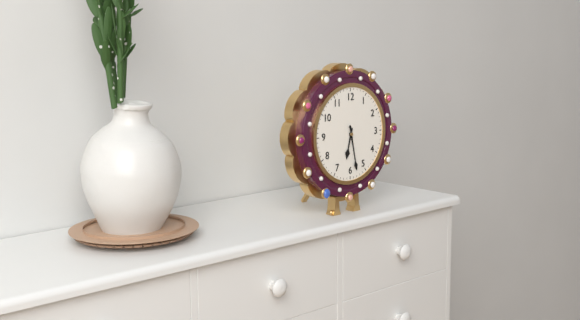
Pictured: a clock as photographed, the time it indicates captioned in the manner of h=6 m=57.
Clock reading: h=6 m=28
